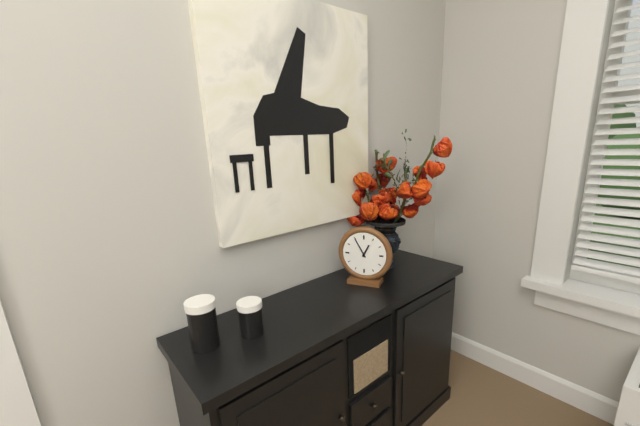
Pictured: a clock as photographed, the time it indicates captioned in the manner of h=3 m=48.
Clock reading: h=12 m=55
